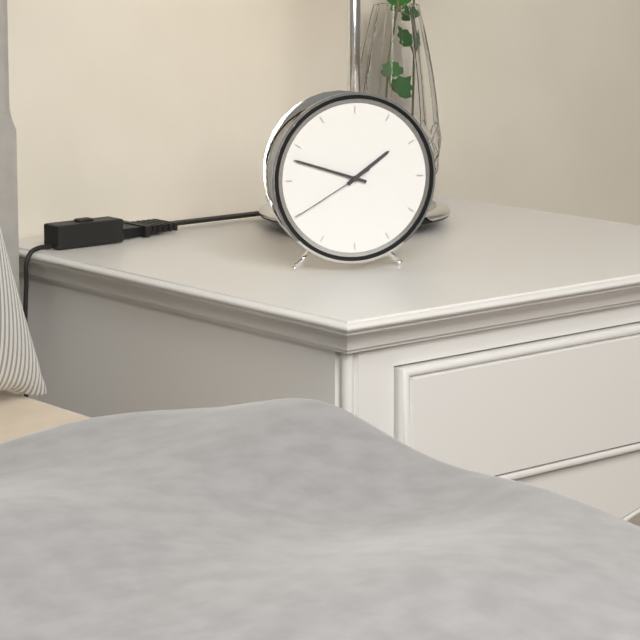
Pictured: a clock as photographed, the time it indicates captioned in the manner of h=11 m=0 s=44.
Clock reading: h=1 m=48 s=40
